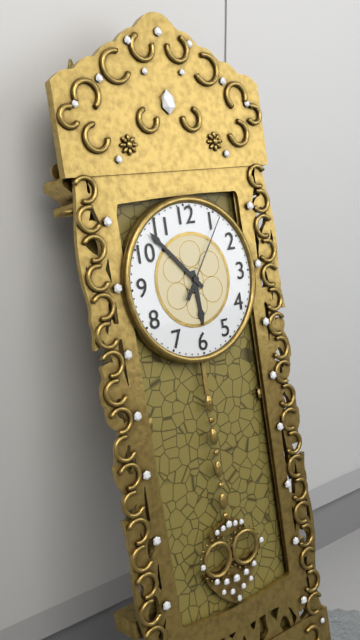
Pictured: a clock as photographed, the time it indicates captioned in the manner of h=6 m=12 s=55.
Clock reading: h=5 m=53 s=6
